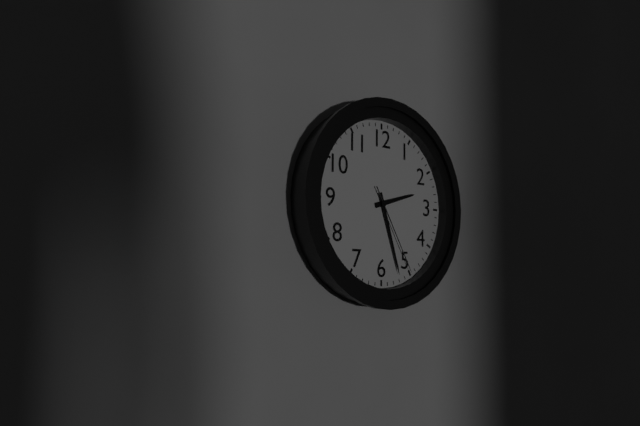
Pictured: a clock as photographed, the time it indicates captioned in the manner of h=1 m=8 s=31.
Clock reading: h=2 m=27 s=25
